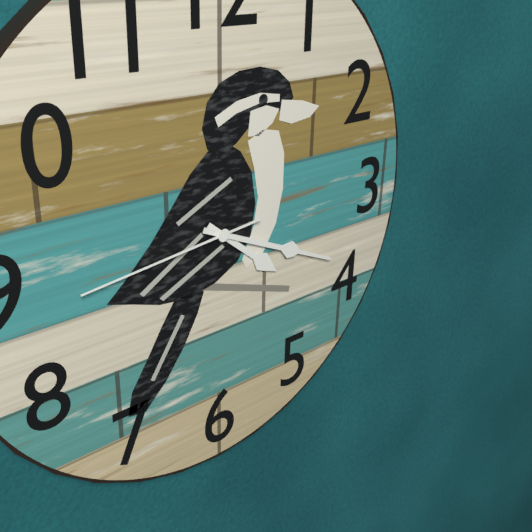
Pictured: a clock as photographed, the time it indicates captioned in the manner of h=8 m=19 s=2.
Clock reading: h=4 m=19 s=44
